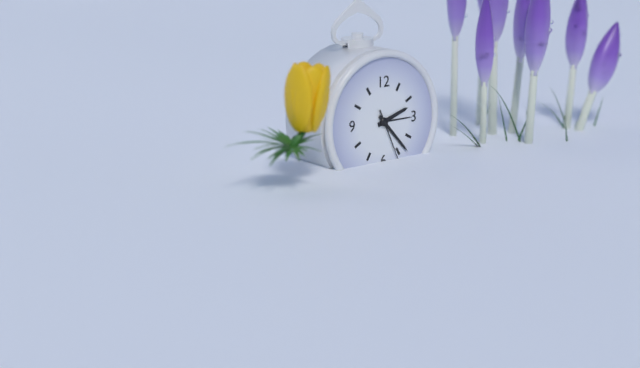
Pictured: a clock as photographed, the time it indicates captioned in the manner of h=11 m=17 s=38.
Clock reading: h=2 m=23 s=26
